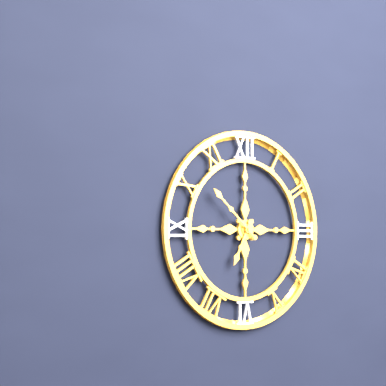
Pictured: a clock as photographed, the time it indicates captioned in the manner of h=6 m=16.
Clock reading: h=6 m=52
